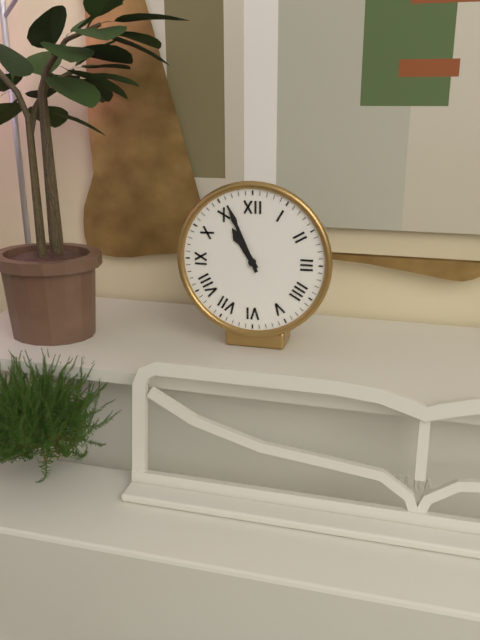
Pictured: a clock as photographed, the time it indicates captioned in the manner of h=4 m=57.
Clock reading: h=10 m=56
